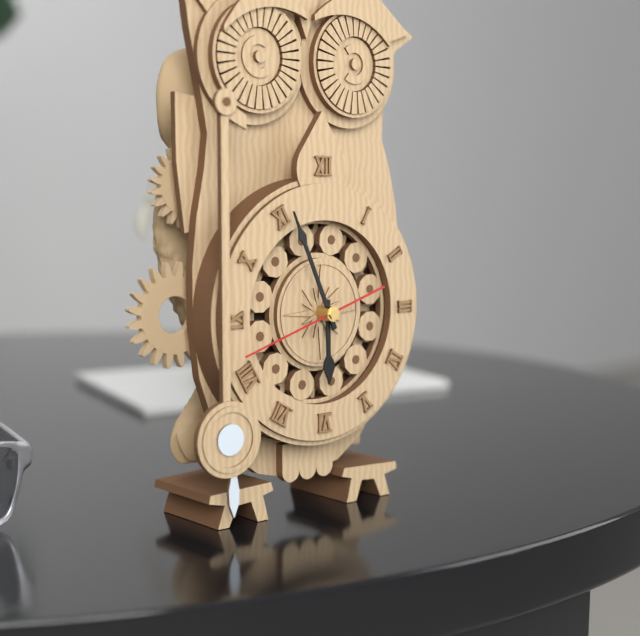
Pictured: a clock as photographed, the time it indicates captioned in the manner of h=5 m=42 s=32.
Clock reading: h=5 m=56 s=42
